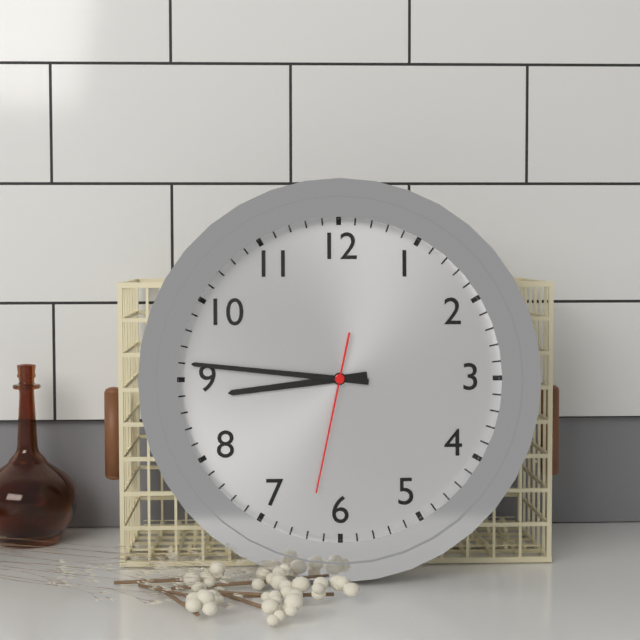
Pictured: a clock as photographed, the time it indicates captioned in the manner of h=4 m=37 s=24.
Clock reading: h=8 m=46 s=32
